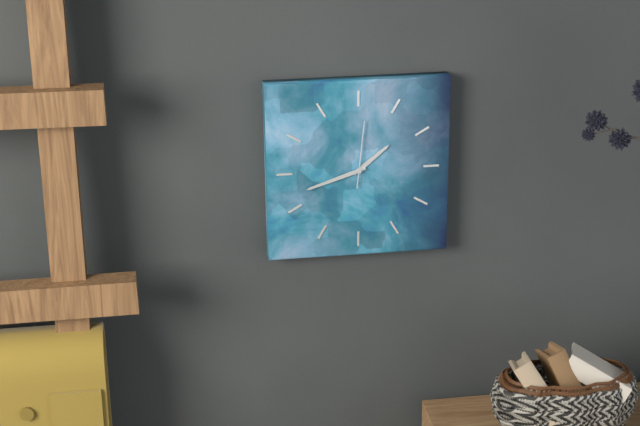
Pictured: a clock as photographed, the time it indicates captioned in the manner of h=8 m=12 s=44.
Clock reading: h=1 m=42 s=1
